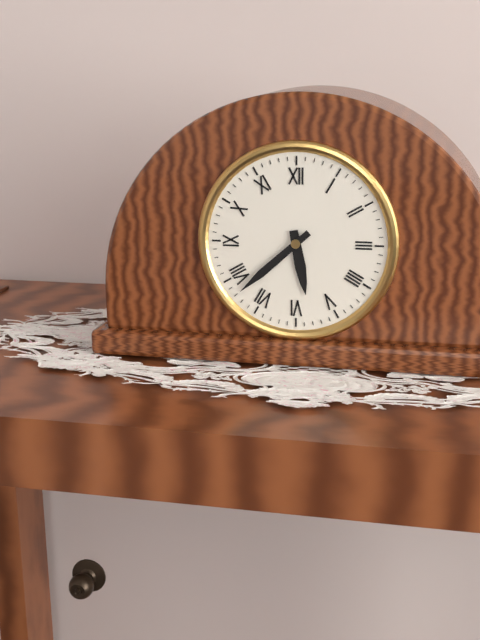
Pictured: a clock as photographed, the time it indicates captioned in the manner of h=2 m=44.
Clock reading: h=5 m=38
